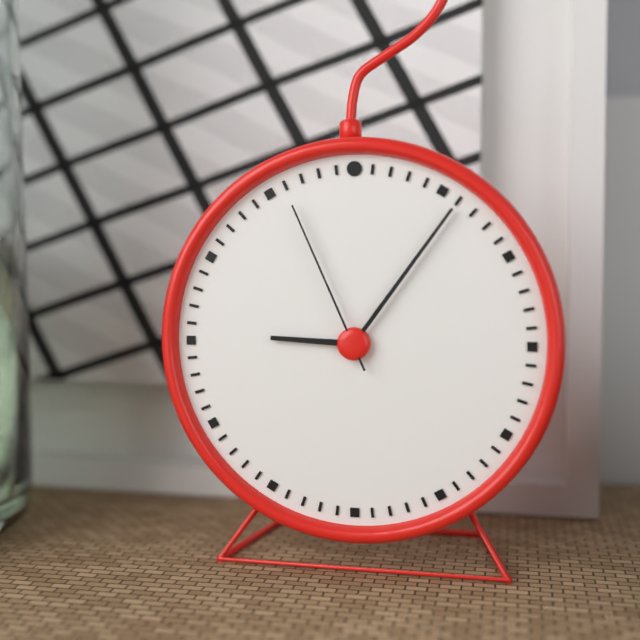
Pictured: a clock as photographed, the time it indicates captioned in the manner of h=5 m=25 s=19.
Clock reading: h=9 m=6 s=56
